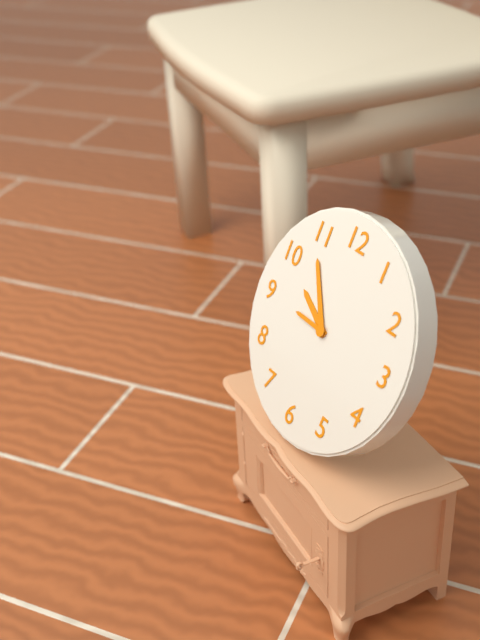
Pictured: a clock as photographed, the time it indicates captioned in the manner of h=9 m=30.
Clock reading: h=9 m=54
